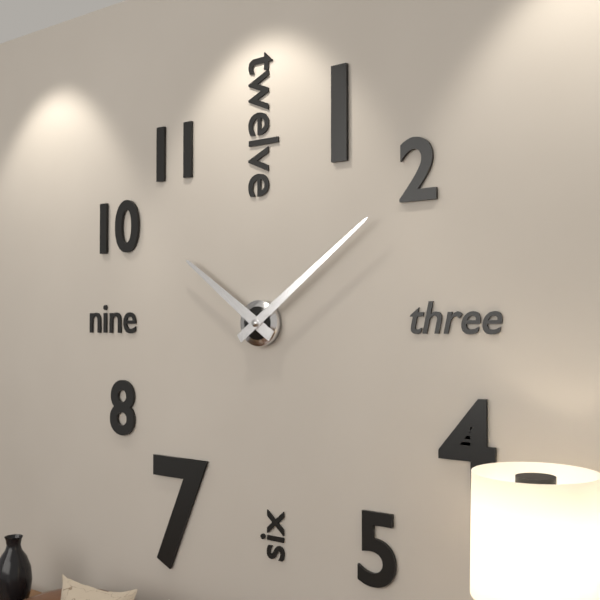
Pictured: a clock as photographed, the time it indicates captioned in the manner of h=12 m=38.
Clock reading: h=10 m=9
